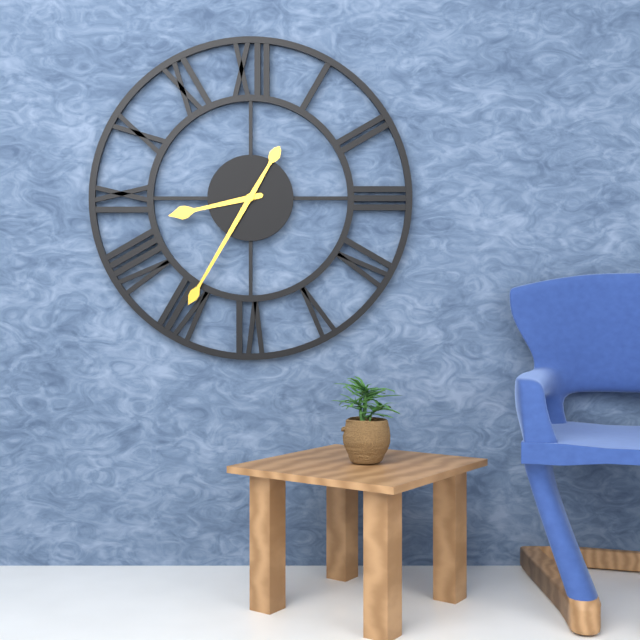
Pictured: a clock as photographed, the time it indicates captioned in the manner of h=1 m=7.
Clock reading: h=8 m=35
